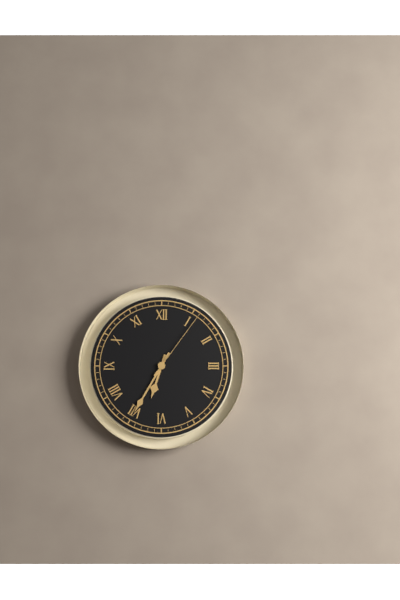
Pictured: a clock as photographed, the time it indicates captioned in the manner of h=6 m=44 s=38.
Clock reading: h=6 m=35 s=6
